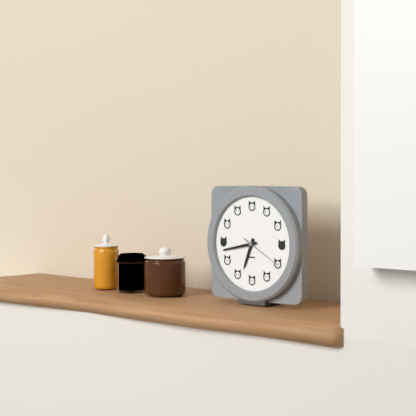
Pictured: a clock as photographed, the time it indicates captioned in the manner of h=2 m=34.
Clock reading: h=6 m=43
